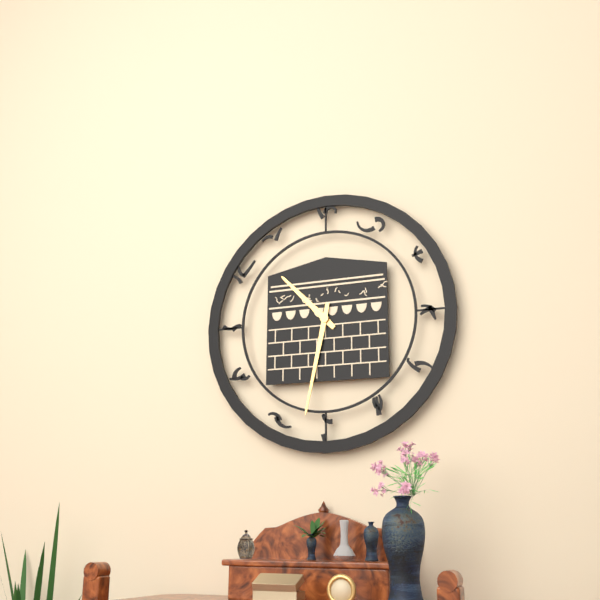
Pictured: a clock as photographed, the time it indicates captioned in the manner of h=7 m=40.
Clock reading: h=10 m=32
